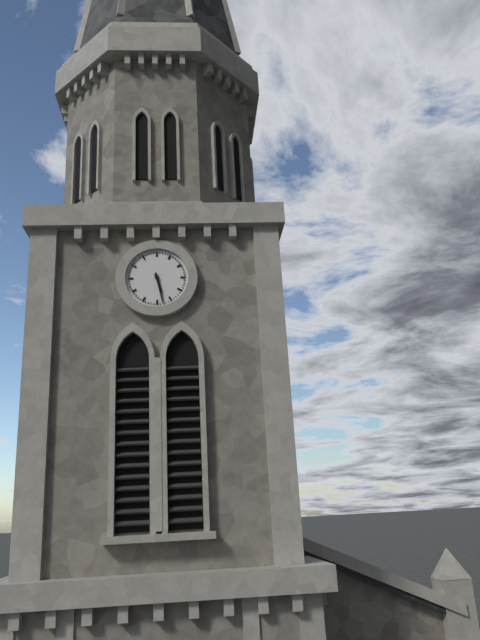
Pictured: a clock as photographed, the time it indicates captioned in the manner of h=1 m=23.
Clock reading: h=5 m=28
